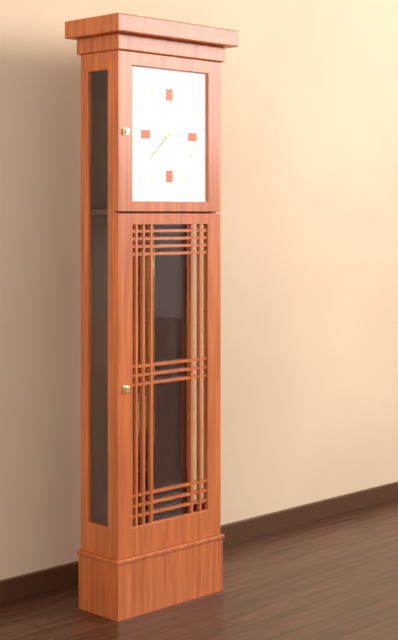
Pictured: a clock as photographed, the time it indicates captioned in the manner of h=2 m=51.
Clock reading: h=2 m=38
